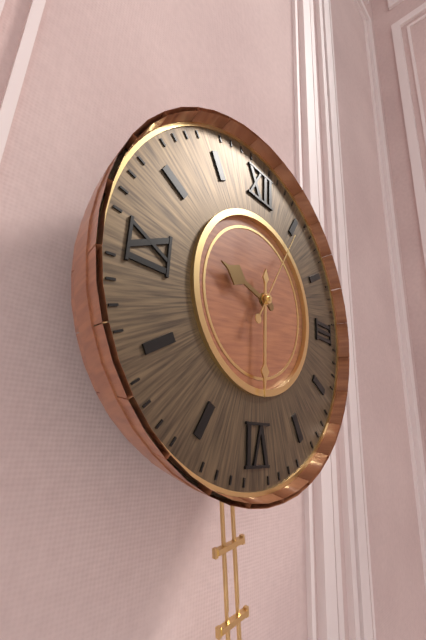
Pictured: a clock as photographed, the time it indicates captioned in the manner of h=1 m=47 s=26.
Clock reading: h=9 m=30 s=5
